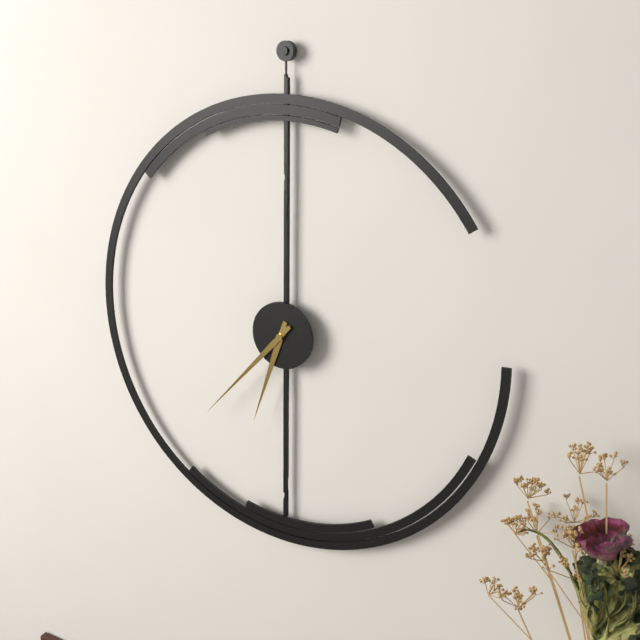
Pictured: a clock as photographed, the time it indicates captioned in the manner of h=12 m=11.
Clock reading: h=6 m=37
